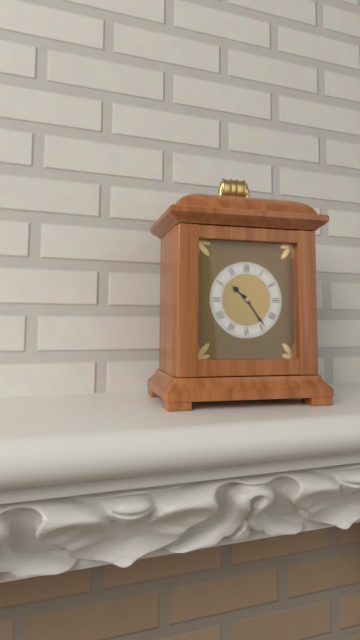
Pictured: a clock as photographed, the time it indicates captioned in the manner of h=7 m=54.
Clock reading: h=10 m=24
